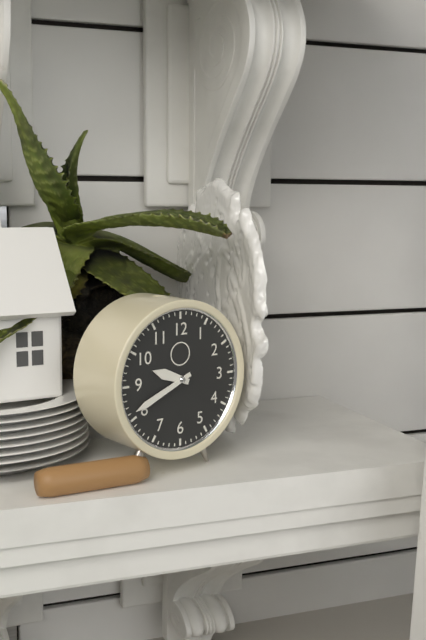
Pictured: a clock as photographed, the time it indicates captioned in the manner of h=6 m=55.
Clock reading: h=9 m=41
